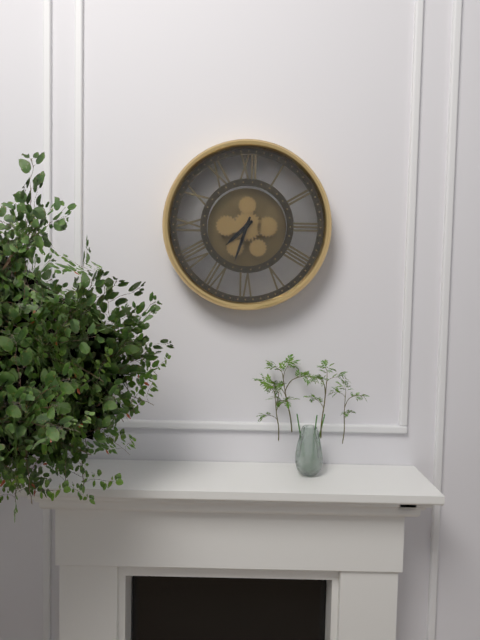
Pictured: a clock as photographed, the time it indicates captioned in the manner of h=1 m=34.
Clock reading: h=7 m=33
